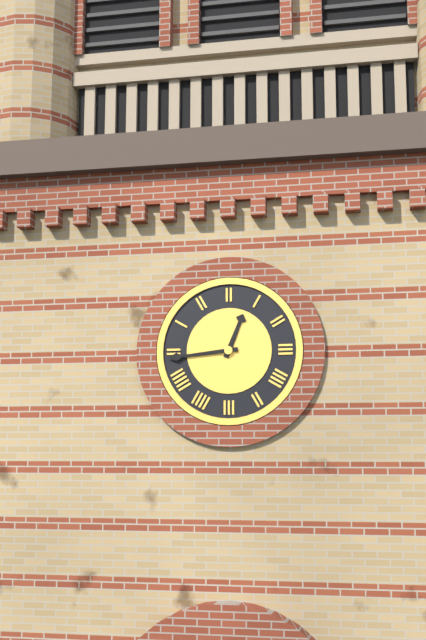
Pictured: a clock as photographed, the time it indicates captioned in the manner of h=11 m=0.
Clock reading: h=12 m=44
